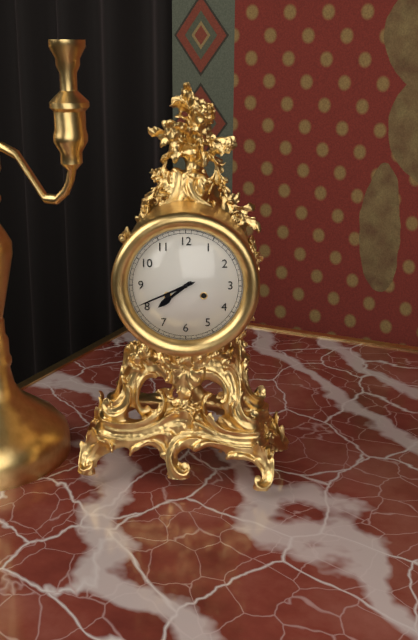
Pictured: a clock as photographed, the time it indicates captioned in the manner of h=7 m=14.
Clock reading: h=7 m=41
